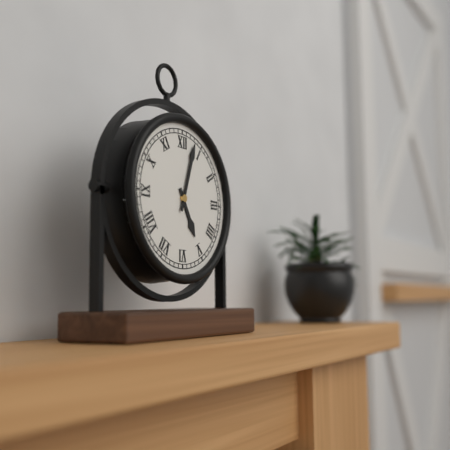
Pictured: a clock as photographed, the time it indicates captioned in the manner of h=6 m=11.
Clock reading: h=5 m=3
